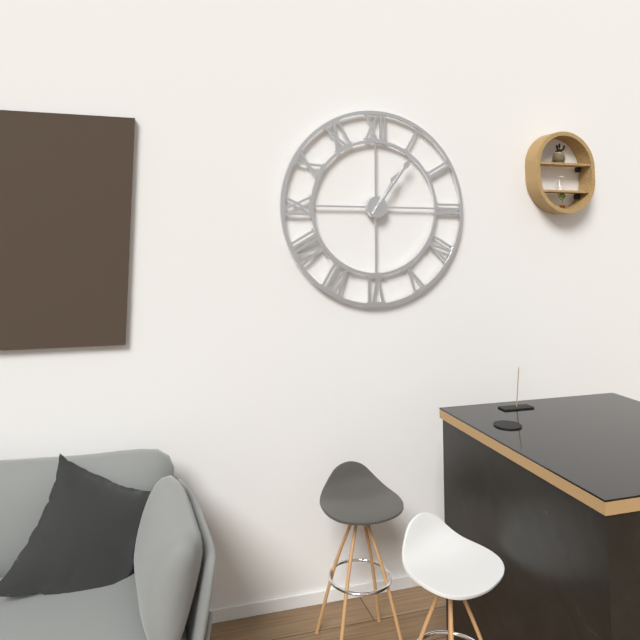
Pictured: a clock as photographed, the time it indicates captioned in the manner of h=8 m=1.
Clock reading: h=1 m=6
